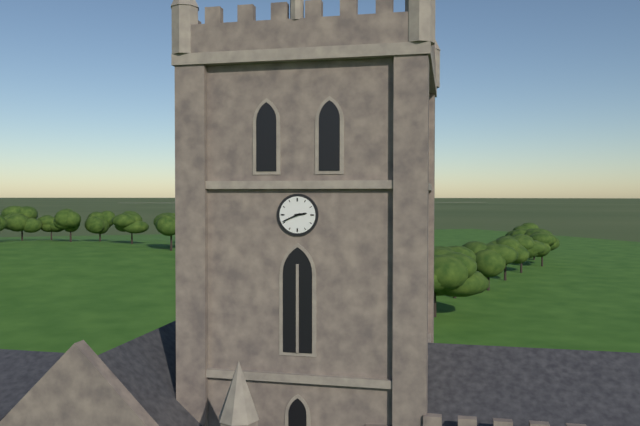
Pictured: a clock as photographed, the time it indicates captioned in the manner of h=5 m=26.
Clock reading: h=2 m=41
